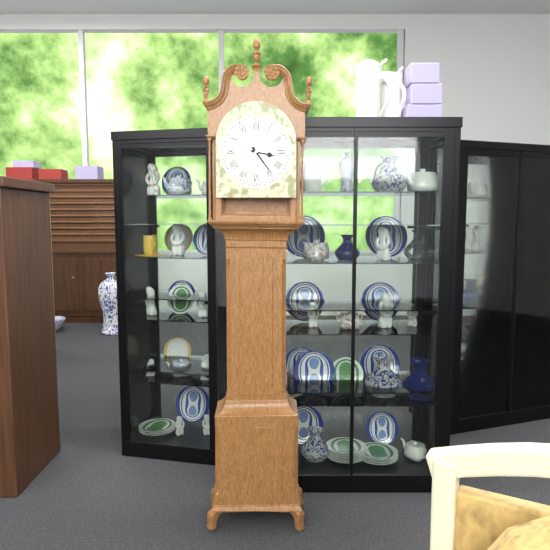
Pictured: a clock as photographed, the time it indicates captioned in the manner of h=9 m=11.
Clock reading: h=3 m=24
